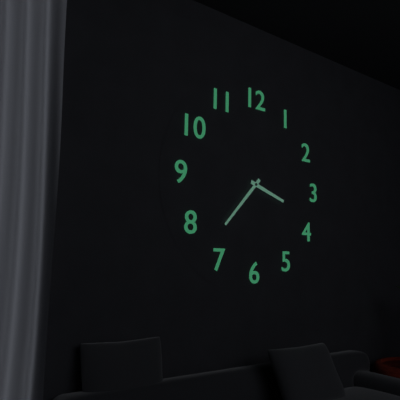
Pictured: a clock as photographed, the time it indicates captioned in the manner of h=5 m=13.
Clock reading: h=3 m=37
